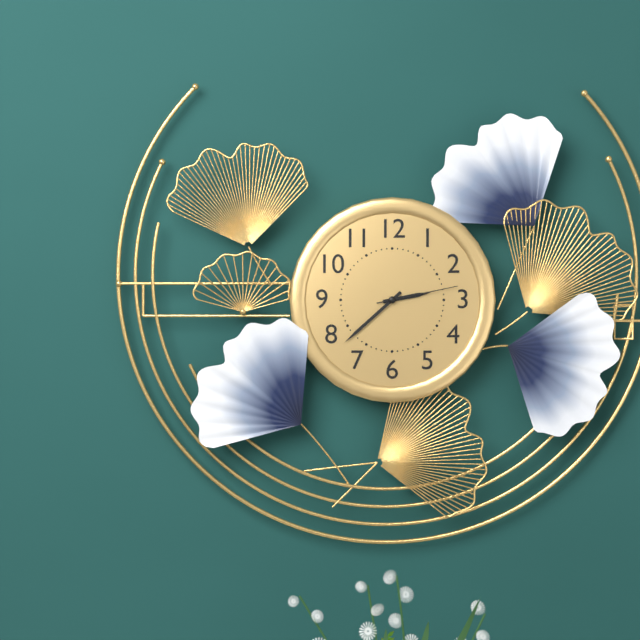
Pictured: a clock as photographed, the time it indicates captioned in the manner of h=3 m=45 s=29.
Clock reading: h=2 m=38 s=13
